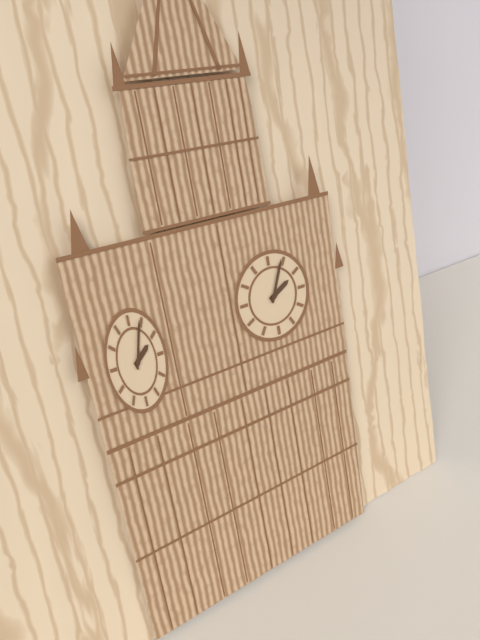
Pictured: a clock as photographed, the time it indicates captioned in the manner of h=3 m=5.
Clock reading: h=2 m=4
